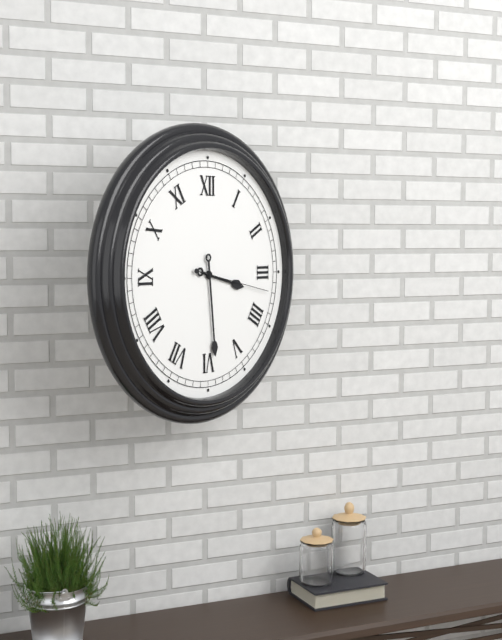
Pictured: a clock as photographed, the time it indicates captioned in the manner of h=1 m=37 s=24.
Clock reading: h=3 m=29 s=17
